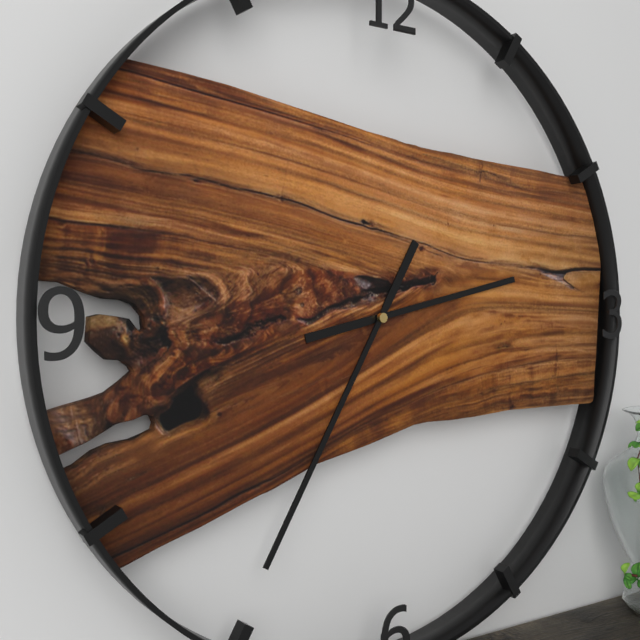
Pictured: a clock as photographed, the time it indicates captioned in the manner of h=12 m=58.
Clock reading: h=2 m=35
